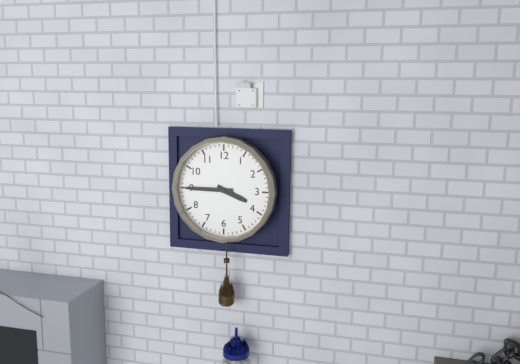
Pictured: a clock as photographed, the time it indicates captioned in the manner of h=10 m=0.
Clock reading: h=3 m=45
